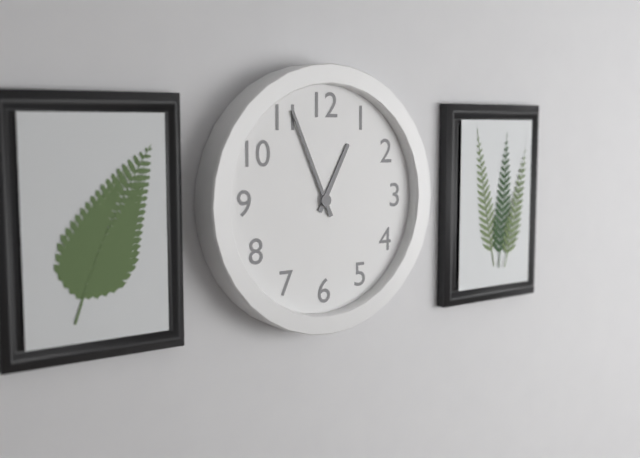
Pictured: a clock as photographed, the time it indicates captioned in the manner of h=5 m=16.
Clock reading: h=12 m=56
